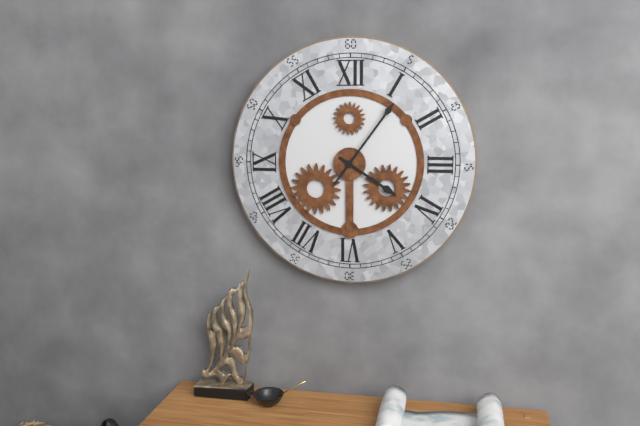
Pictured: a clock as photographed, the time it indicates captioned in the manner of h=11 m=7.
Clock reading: h=4 m=6
